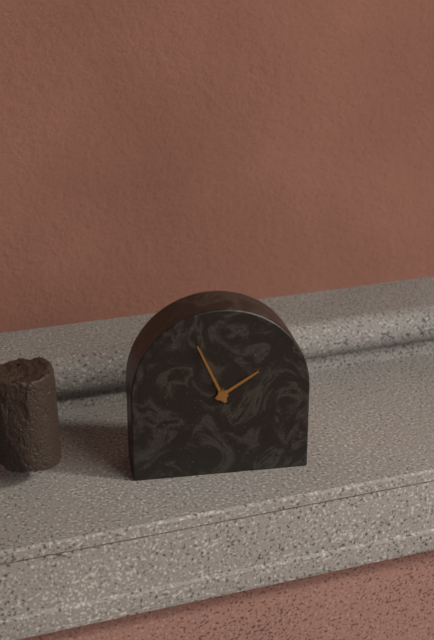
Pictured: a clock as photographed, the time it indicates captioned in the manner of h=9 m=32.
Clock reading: h=1 m=56
